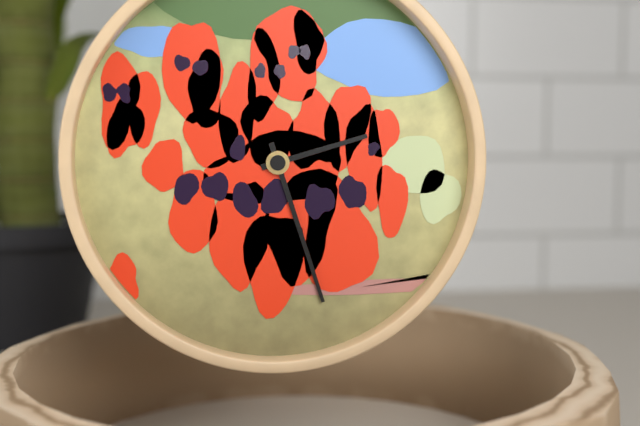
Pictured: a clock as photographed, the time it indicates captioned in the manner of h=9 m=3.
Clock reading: h=2 m=27
